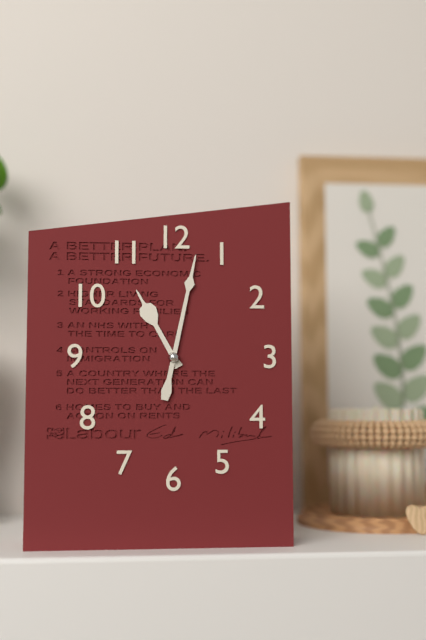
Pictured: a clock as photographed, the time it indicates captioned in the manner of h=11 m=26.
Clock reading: h=11 m=2
